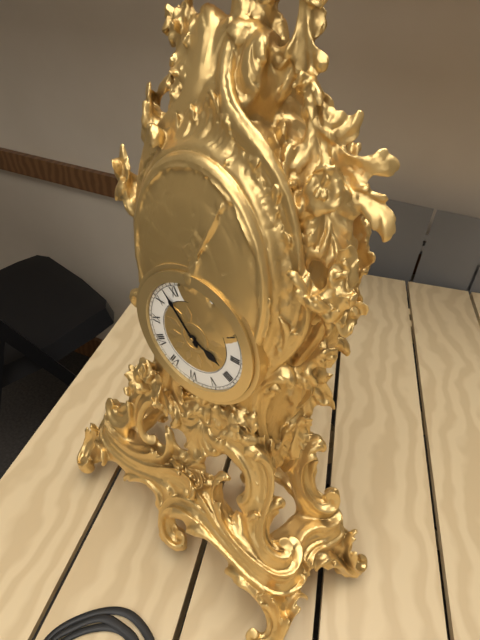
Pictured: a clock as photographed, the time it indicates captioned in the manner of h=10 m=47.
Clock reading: h=3 m=53
